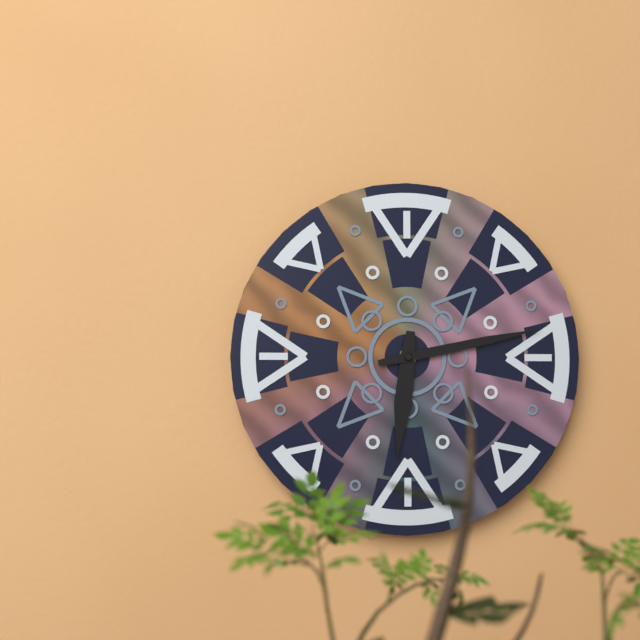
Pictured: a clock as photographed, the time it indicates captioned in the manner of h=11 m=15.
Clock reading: h=6 m=13
